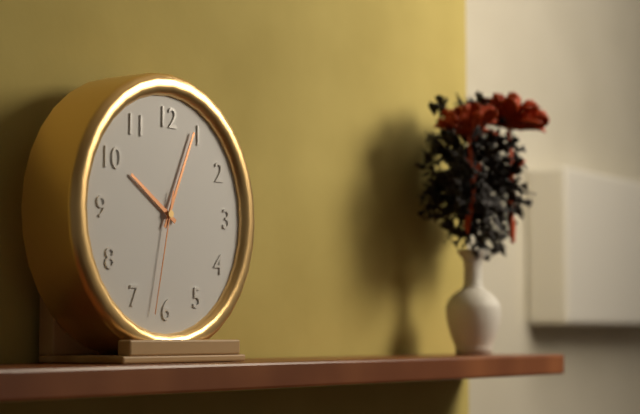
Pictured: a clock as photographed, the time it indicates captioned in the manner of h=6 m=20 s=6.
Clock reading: h=10 m=4 s=32
